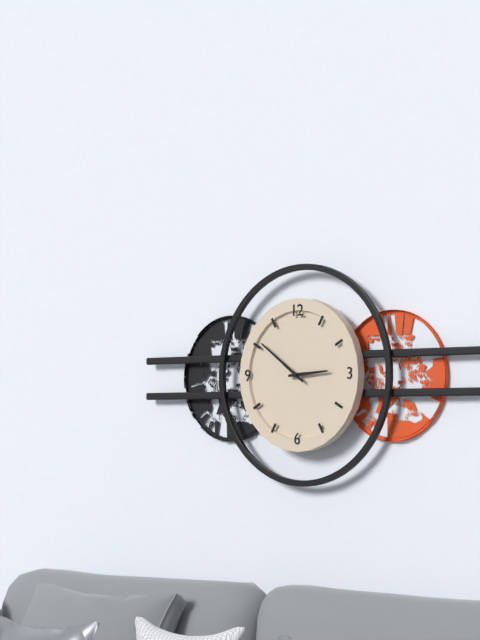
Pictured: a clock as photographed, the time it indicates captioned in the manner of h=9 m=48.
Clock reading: h=2 m=51
